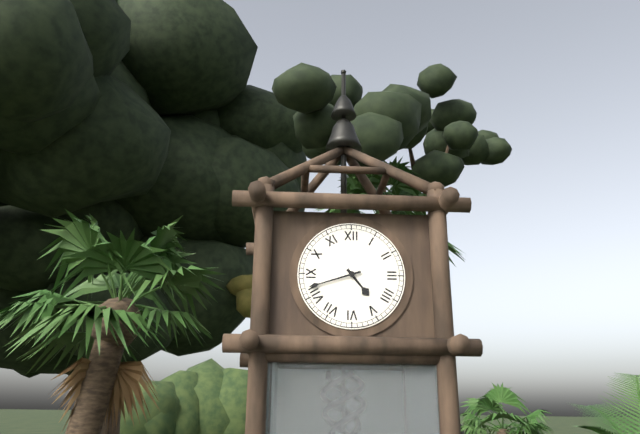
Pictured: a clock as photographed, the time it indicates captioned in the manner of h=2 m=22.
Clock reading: h=4 m=42
